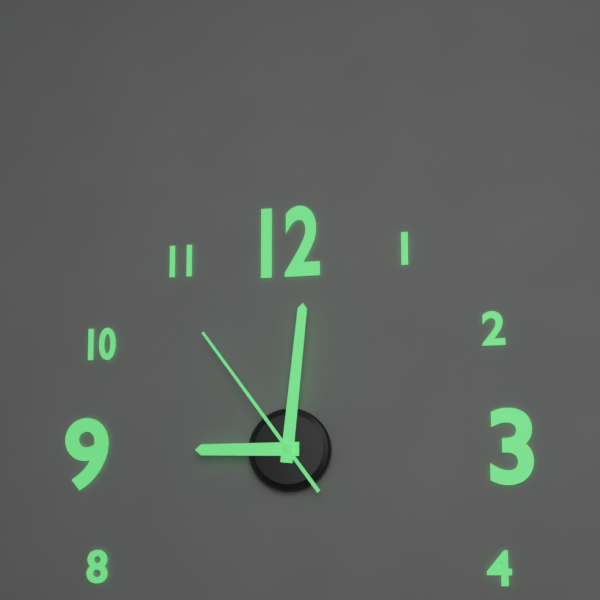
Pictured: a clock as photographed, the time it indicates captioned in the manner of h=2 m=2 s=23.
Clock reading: h=9 m=1 s=54
